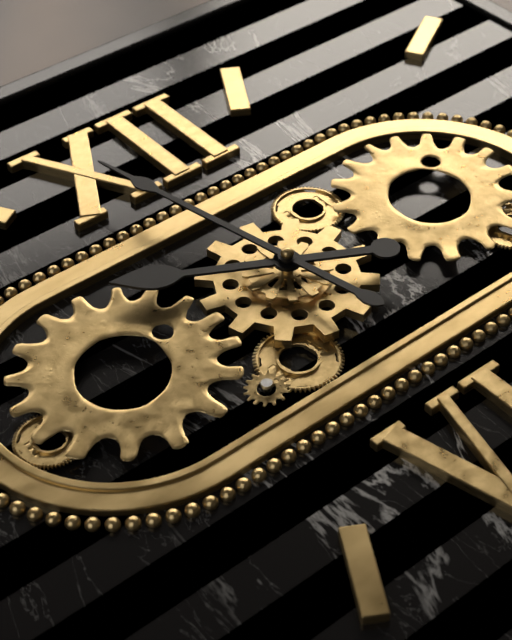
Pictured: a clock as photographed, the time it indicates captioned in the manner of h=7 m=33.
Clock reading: h=9 m=58
